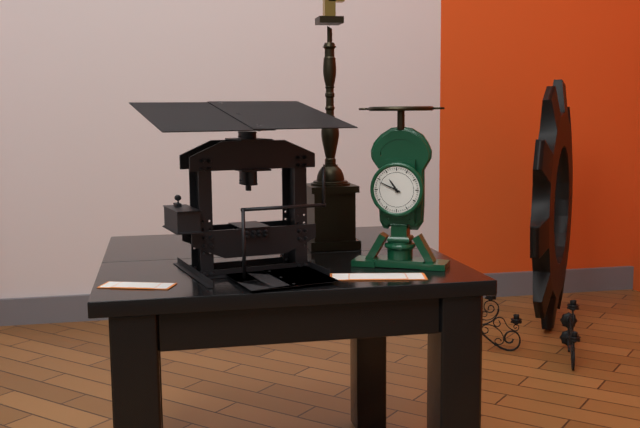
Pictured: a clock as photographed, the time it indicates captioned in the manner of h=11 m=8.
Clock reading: h=10 m=49
